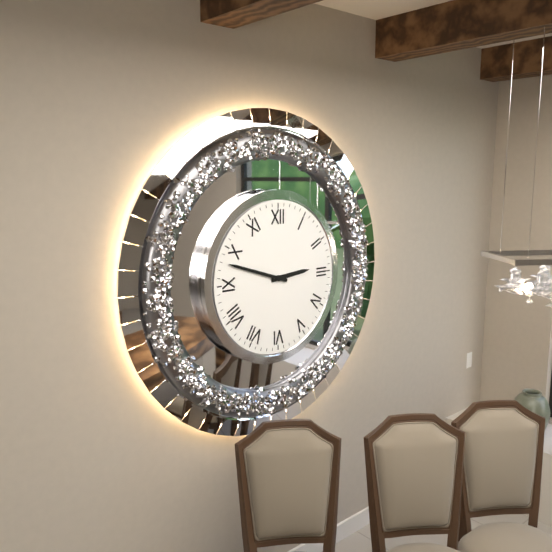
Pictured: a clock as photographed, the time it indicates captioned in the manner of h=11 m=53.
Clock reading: h=2 m=48
